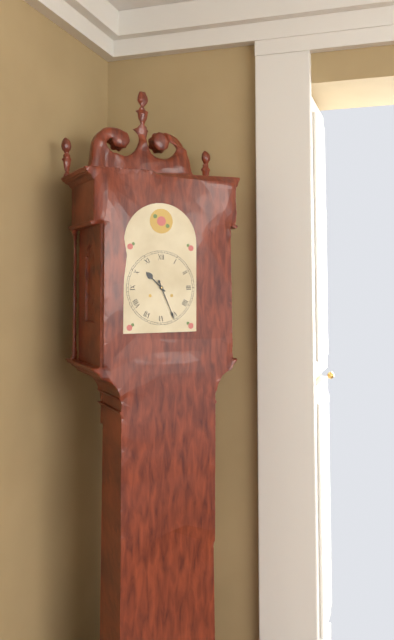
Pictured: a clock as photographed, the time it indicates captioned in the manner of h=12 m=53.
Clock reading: h=10 m=26
